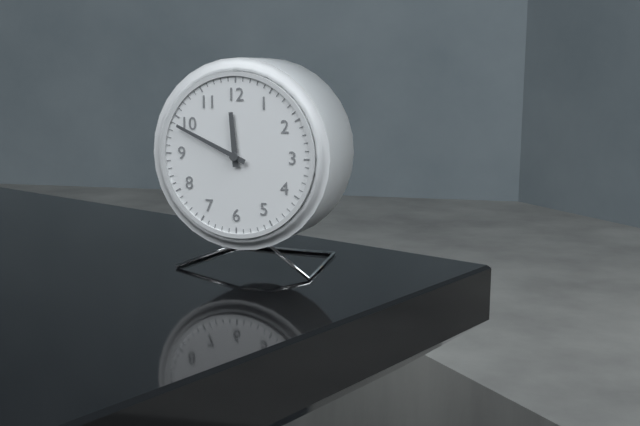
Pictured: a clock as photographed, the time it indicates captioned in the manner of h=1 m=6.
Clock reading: h=11 m=49
